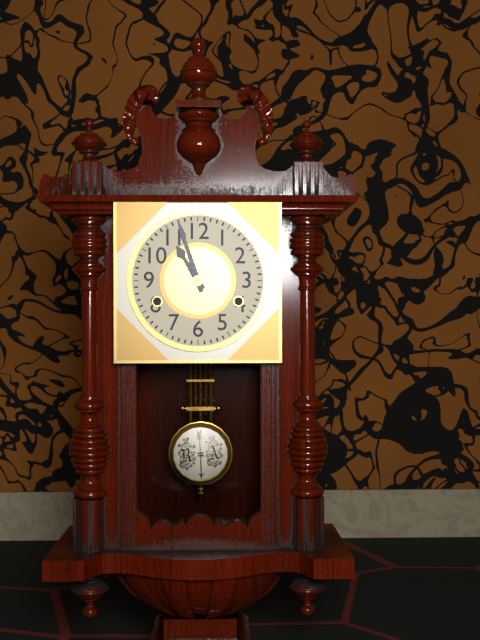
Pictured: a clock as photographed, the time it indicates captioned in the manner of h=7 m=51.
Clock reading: h=10 m=57
